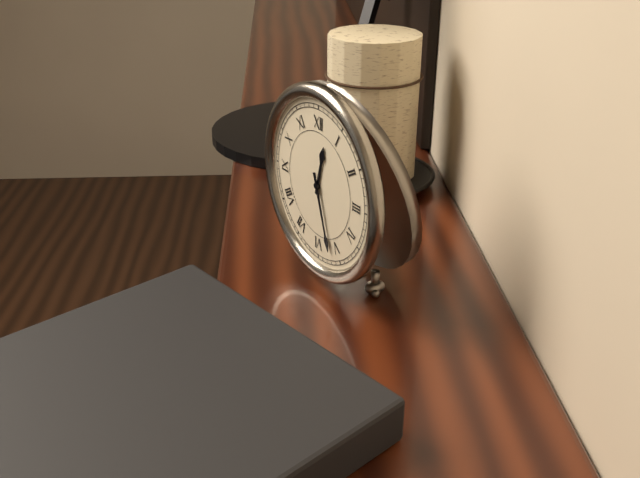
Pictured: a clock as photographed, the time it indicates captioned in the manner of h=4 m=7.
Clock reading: h=12 m=27
